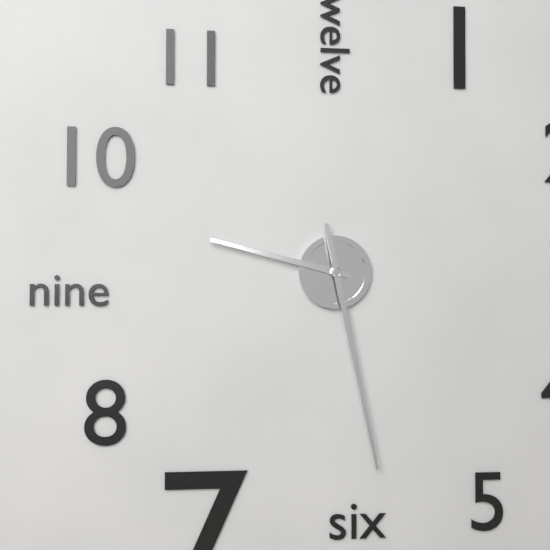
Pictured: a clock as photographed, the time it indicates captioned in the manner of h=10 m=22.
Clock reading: h=9 m=28
